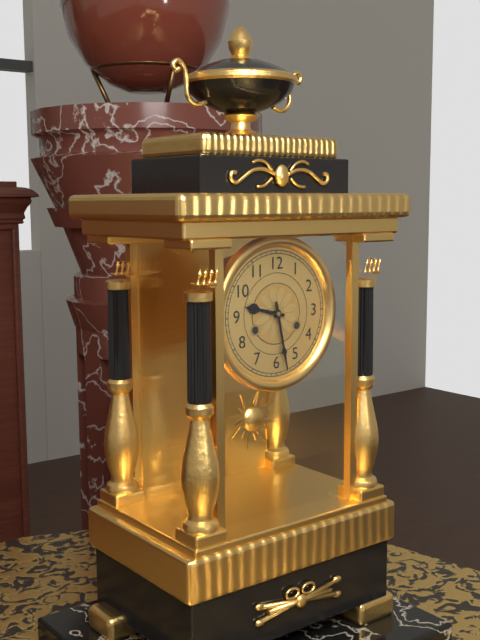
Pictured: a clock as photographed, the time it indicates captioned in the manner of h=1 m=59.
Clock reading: h=9 m=28
